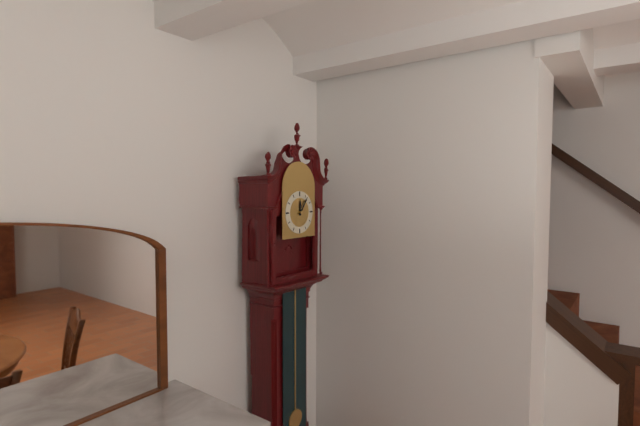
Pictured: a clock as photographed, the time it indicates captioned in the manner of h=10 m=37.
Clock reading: h=12 m=6
